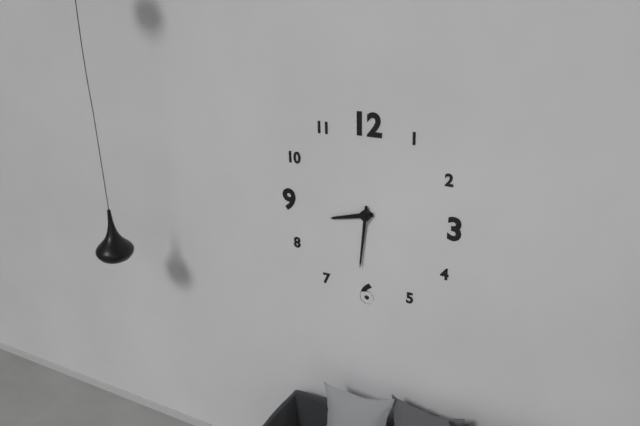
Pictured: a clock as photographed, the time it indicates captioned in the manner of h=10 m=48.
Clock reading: h=8 m=31
